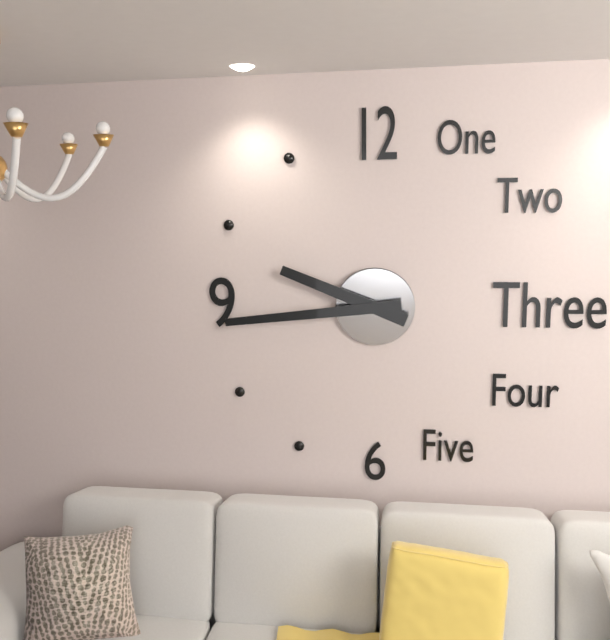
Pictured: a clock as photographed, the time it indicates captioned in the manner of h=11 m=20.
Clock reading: h=9 m=44
